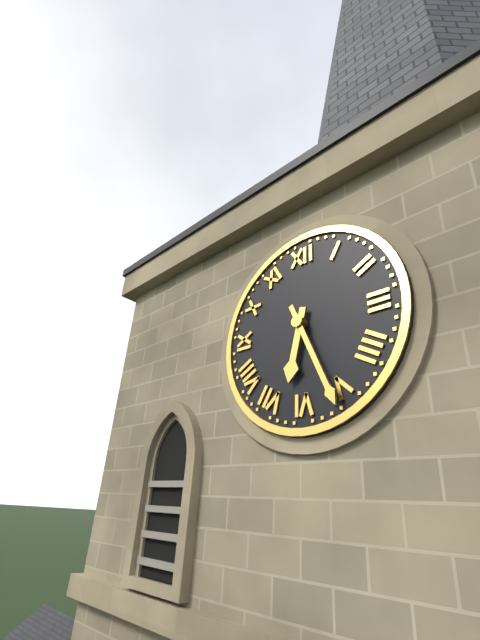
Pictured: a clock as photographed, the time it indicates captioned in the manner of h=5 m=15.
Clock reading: h=6 m=26
